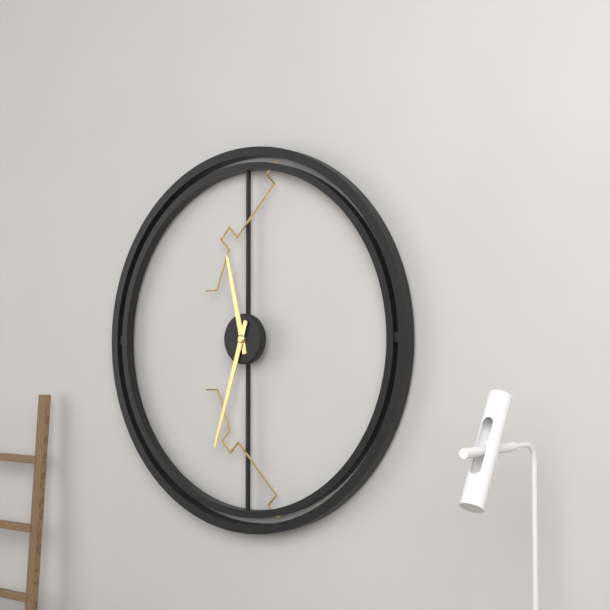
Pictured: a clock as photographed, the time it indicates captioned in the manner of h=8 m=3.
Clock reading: h=11 m=33
